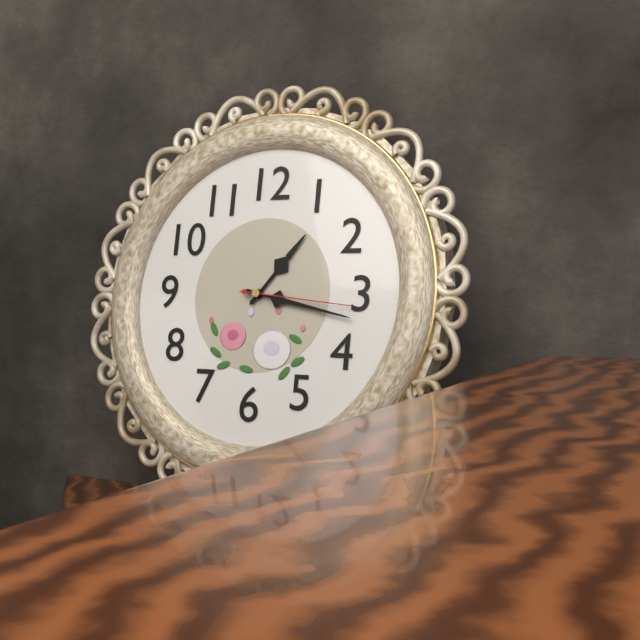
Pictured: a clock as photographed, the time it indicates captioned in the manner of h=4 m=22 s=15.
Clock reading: h=1 m=17 s=16
